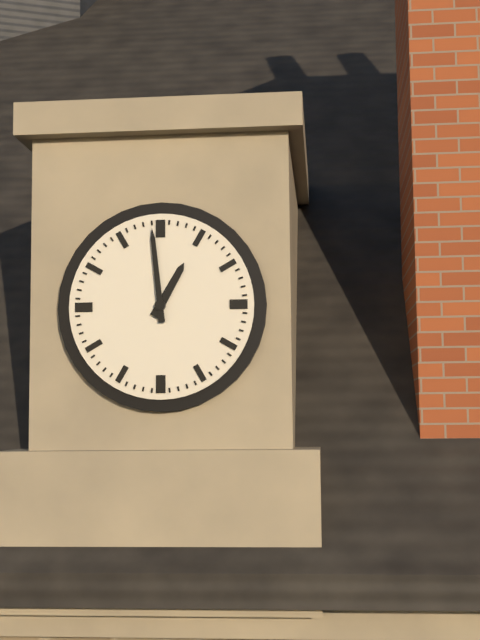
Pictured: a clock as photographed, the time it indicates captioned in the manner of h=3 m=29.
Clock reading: h=12 m=59
